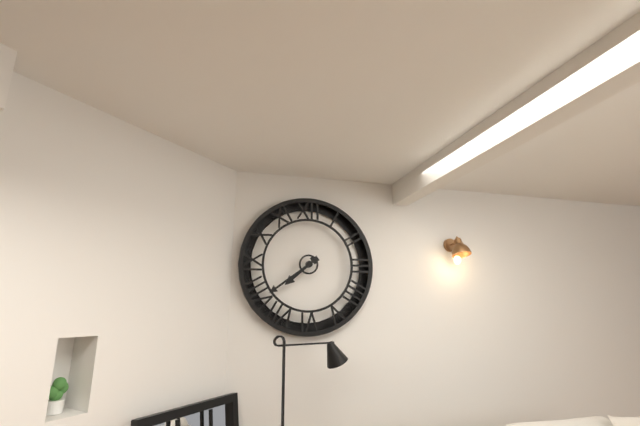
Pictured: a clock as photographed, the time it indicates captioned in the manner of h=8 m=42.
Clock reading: h=7 m=39
